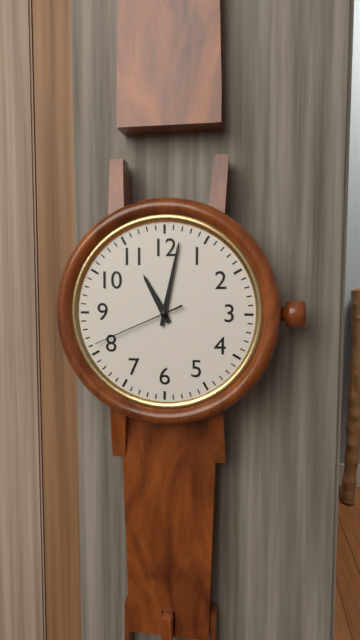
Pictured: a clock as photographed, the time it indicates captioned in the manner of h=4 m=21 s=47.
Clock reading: h=11 m=2 s=41
